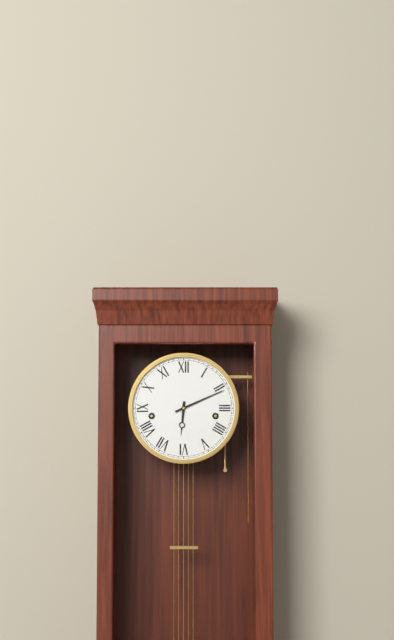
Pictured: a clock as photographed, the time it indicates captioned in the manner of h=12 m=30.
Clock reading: h=6 m=11
